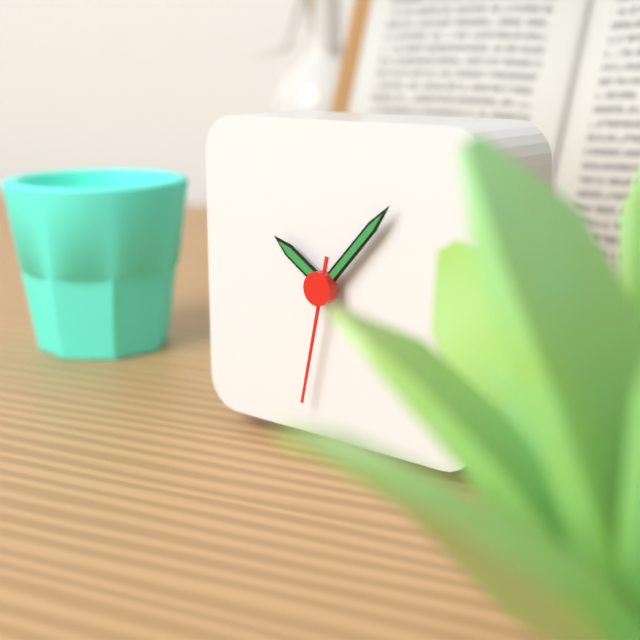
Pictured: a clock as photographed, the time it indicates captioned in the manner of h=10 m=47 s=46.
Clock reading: h=10 m=7 s=32
